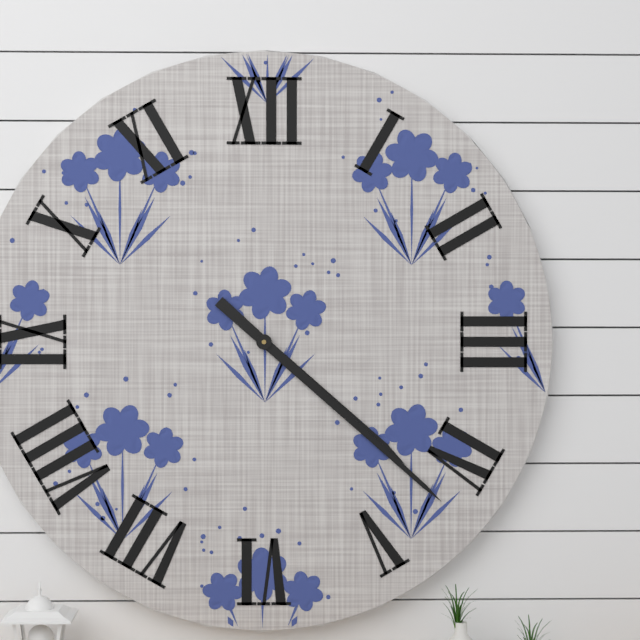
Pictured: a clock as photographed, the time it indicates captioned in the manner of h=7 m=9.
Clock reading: h=4 m=22
